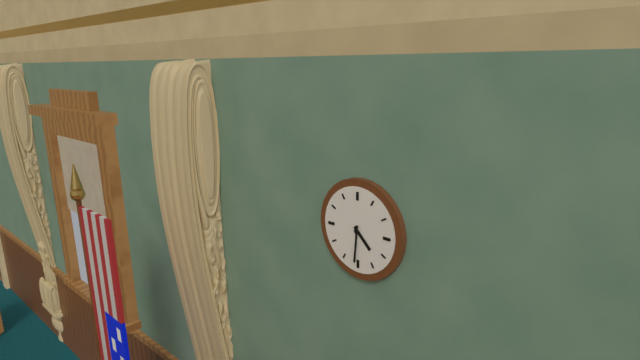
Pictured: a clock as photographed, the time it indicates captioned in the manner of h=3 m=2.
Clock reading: h=4 m=31
